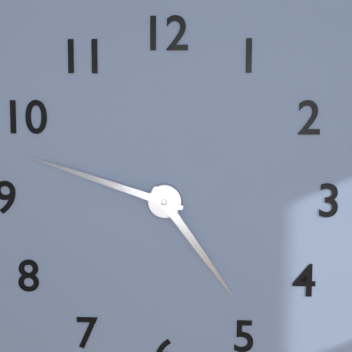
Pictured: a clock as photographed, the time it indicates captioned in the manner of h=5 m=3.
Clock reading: h=4 m=48
